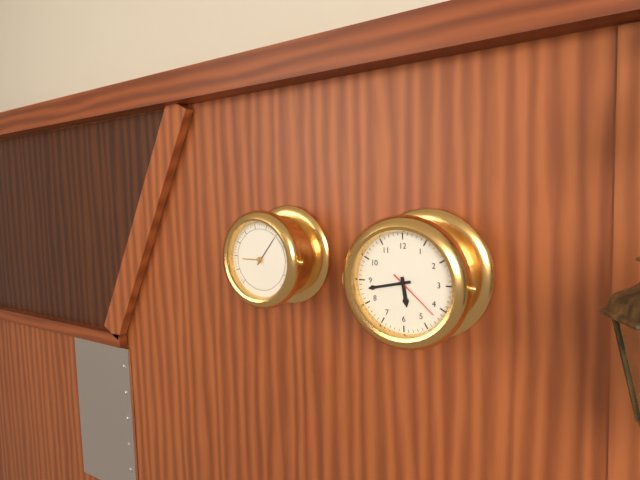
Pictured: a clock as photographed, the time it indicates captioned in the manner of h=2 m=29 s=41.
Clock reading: h=5 m=43 s=22
